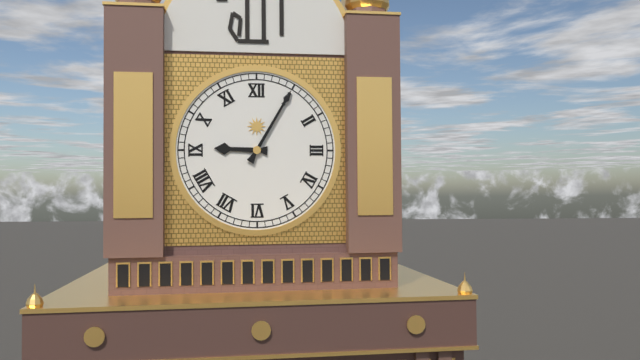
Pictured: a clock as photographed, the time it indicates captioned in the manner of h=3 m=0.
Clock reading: h=9 m=5
